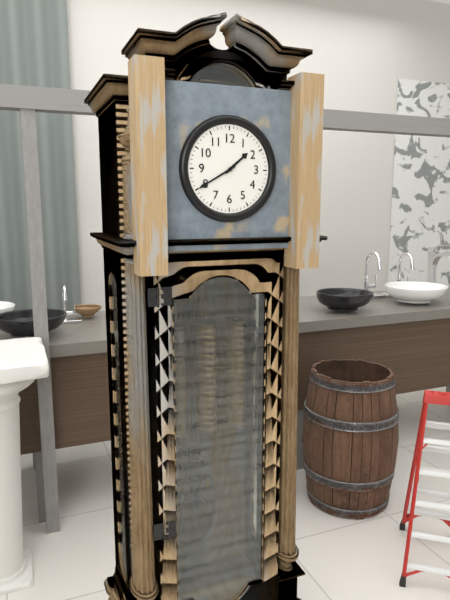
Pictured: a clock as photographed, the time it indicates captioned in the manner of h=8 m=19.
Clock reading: h=1 m=40
